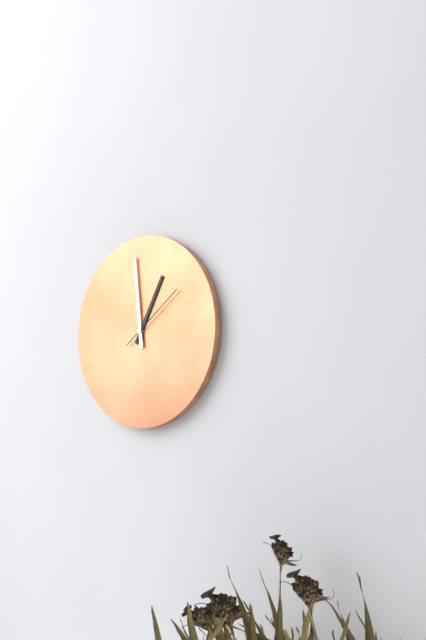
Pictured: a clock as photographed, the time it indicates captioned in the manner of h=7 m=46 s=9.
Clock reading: h=12 m=59 s=9
